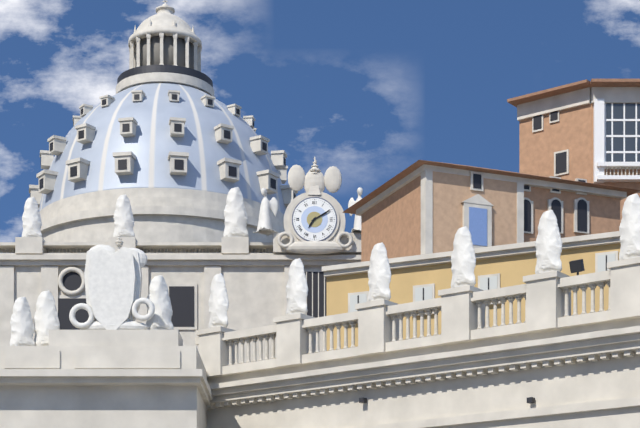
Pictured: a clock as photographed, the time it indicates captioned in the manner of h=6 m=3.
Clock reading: h=7 m=10
